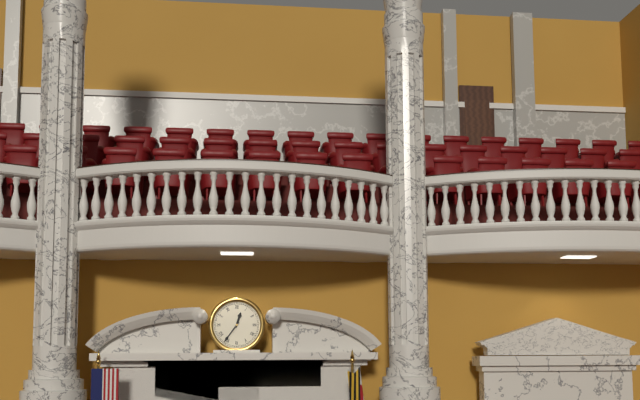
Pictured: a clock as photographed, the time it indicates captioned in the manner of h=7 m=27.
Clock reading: h=12 m=36
